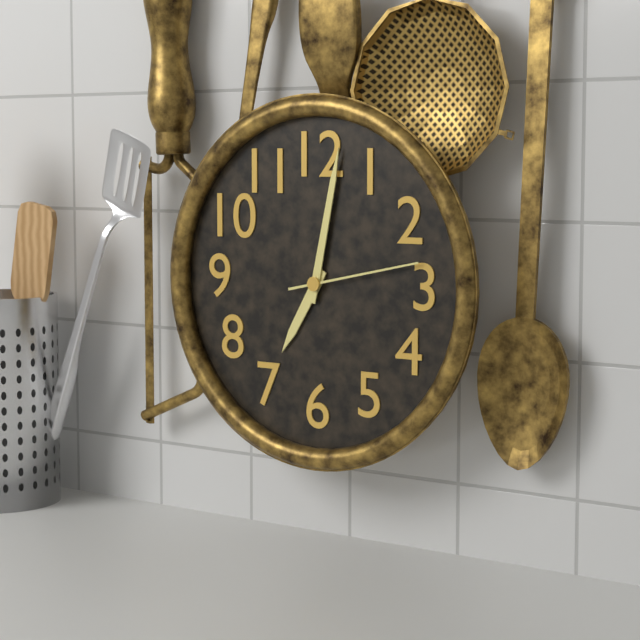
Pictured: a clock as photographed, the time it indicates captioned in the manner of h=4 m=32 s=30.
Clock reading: h=7 m=2 s=13
